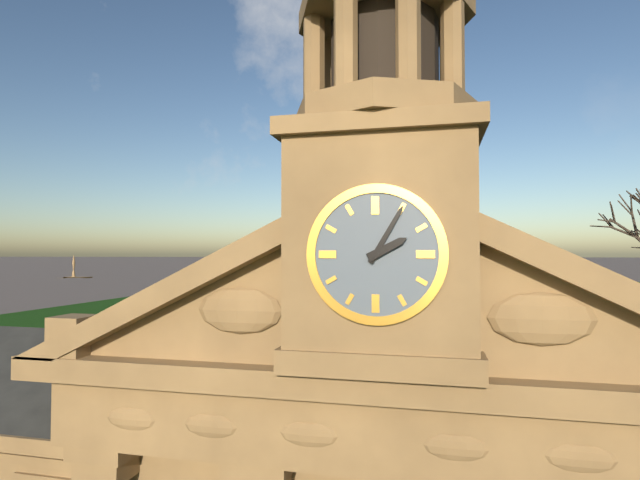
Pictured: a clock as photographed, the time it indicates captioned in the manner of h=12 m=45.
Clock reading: h=2 m=5
